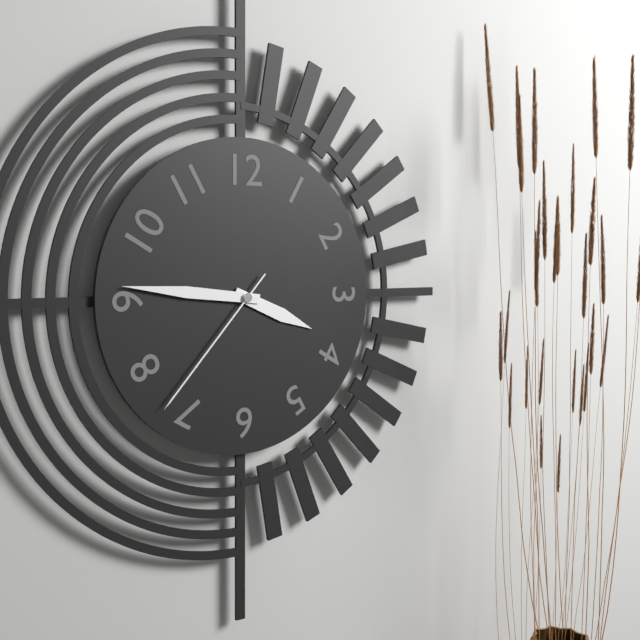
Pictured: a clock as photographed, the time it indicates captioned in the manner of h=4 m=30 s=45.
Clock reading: h=3 m=46 s=37
